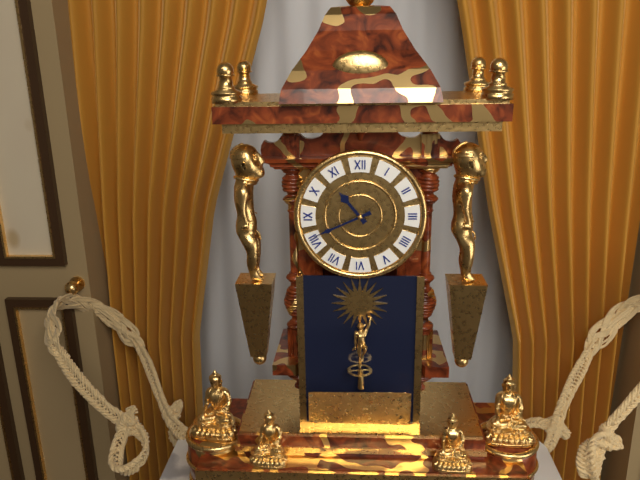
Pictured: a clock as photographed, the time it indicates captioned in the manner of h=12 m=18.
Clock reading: h=10 m=41
